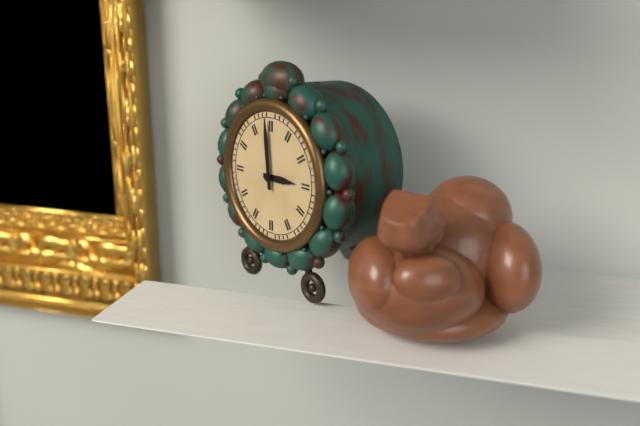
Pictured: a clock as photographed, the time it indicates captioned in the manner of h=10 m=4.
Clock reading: h=2 m=59
